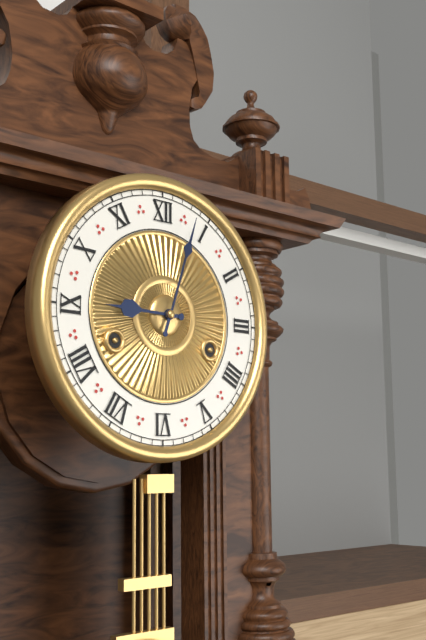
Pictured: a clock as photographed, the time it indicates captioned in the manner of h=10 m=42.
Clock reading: h=9 m=3
